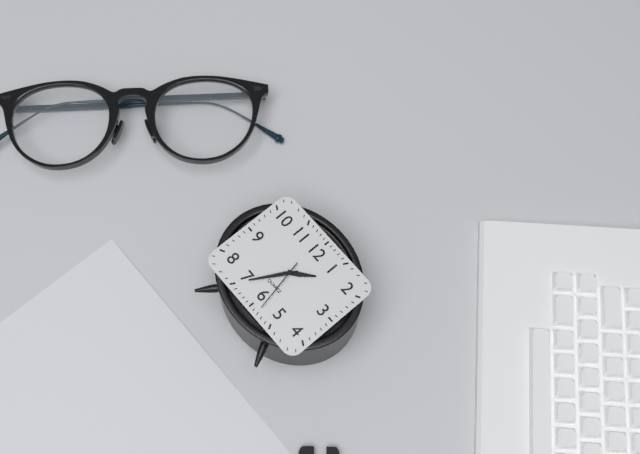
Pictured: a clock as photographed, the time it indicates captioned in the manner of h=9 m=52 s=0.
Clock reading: h=1 m=35 s=28
